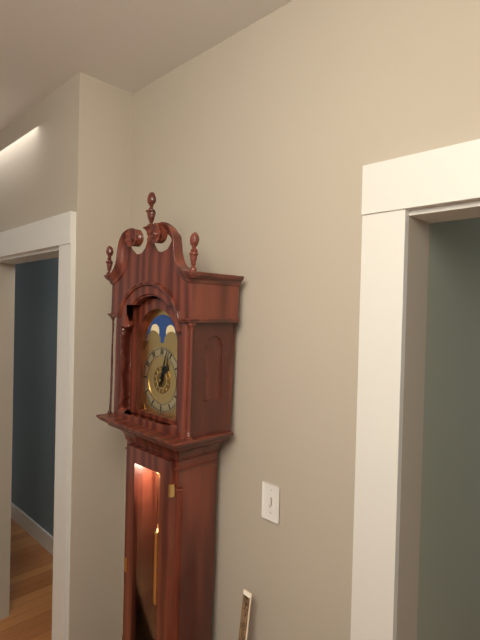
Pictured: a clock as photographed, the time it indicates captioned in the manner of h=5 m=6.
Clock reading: h=1 m=3
